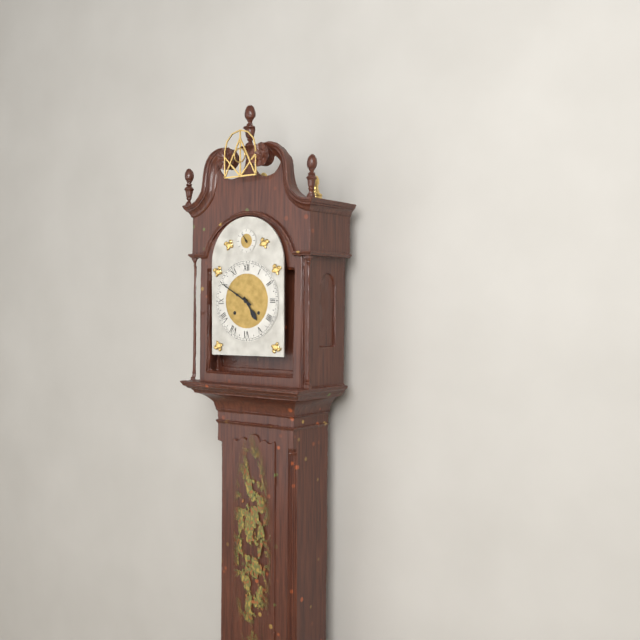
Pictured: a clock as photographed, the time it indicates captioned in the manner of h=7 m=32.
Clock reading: h=4 m=50
